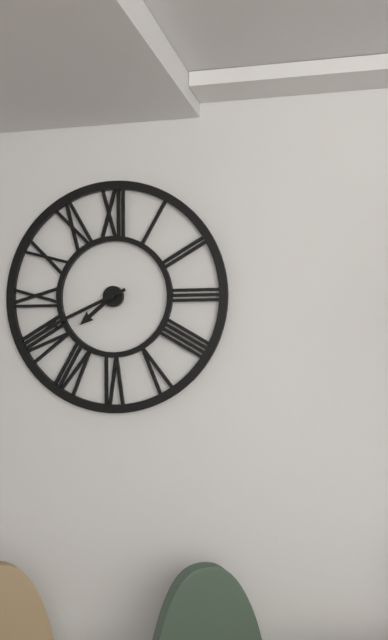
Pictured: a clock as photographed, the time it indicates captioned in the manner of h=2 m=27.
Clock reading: h=7 m=41
